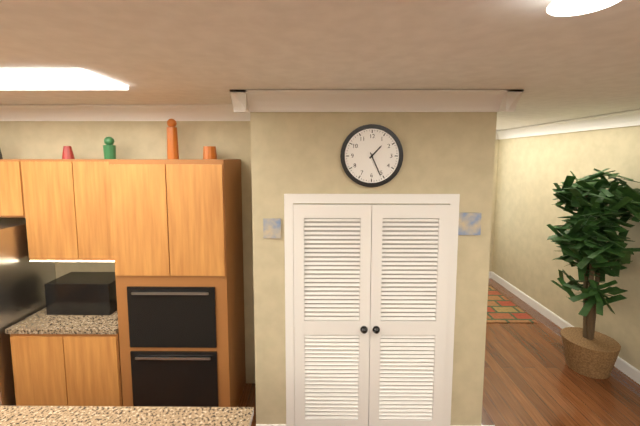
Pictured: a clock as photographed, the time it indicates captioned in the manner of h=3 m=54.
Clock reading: h=1 m=26
